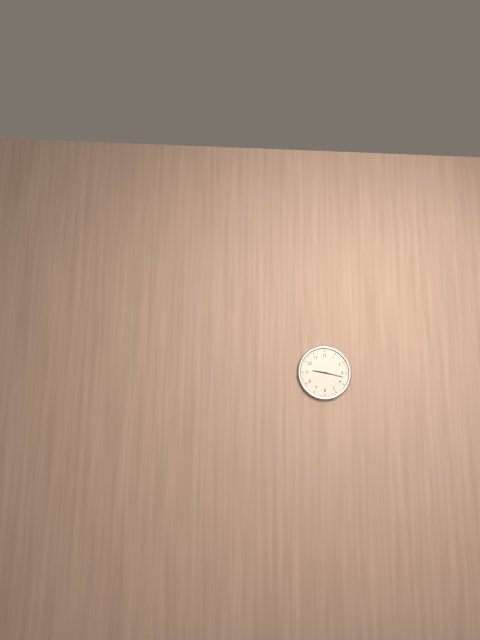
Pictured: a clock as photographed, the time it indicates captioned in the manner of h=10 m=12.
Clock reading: h=9 m=17
